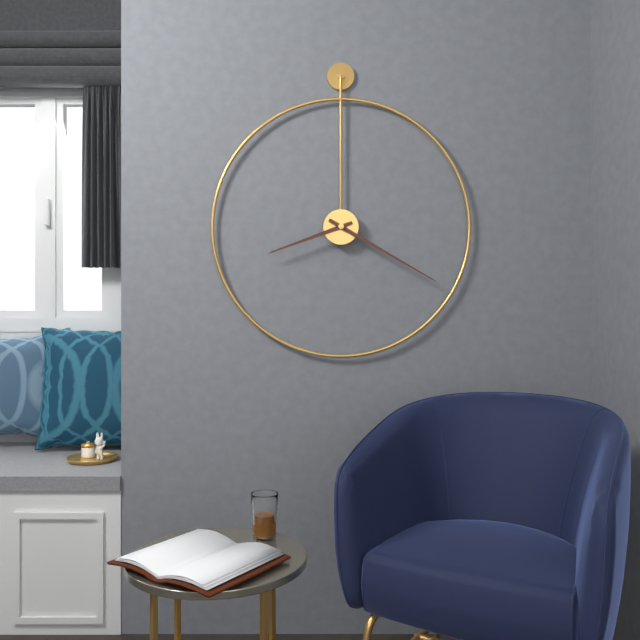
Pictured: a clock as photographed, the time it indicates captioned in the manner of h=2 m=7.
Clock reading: h=8 m=20
